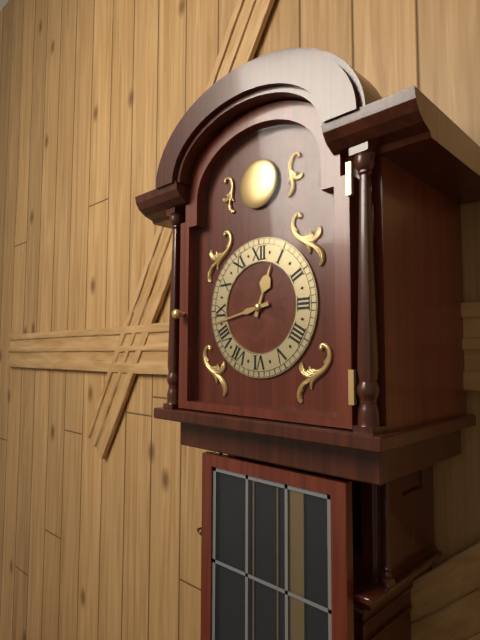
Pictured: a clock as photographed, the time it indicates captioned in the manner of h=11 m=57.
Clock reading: h=12 m=43
